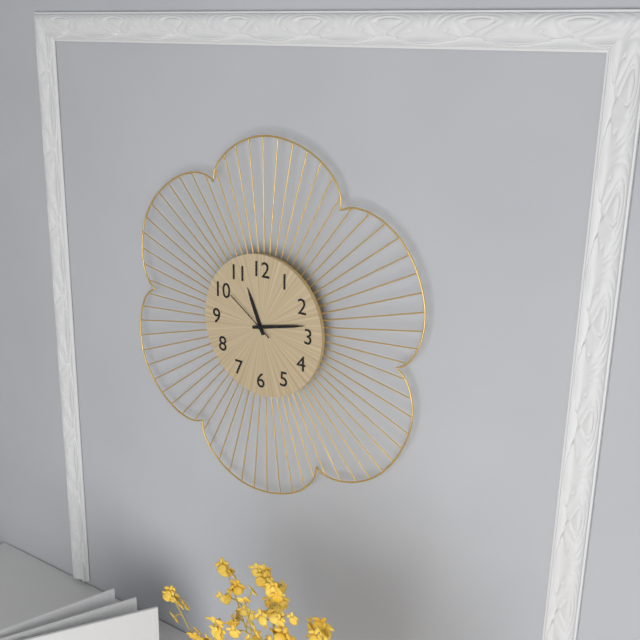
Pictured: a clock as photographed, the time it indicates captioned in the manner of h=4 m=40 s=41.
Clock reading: h=11 m=13 s=51
